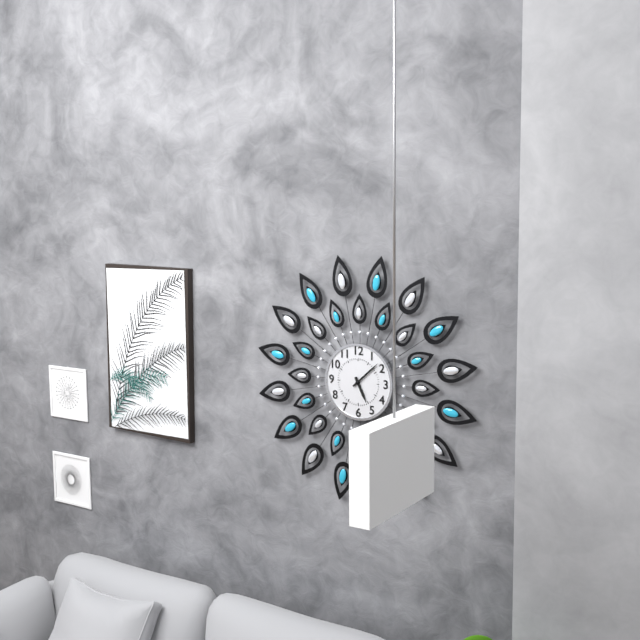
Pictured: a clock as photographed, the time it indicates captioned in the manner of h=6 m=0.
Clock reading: h=5 m=8
